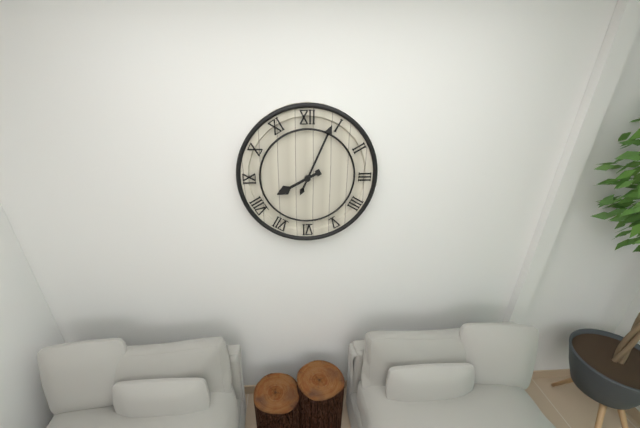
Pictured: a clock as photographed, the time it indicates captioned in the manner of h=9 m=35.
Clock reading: h=8 m=4
